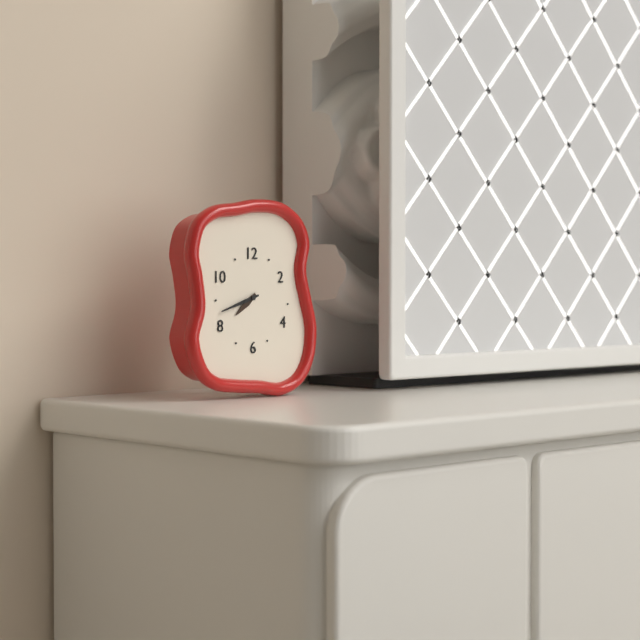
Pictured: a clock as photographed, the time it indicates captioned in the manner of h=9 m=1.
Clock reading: h=7 m=42
